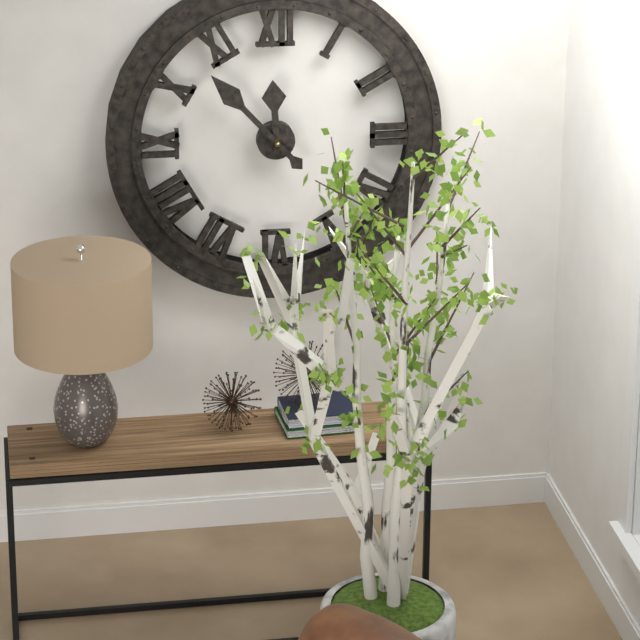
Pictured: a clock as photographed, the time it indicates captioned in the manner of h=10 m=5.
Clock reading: h=11 m=53
